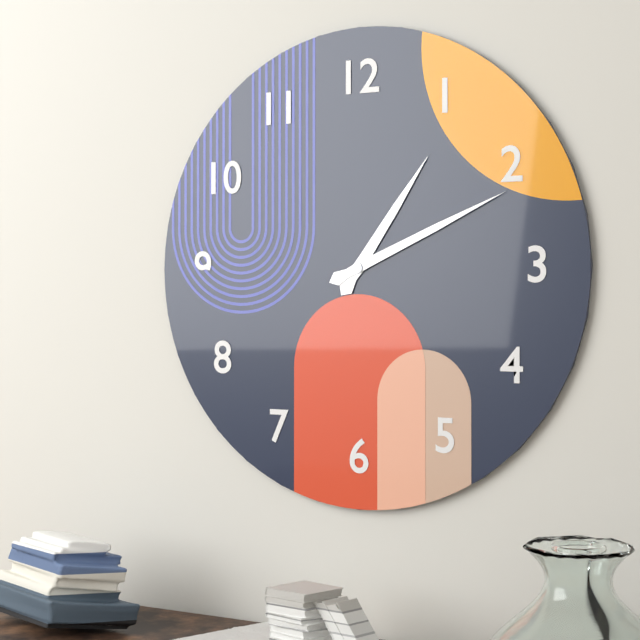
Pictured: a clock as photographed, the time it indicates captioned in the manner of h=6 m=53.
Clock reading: h=1 m=11
